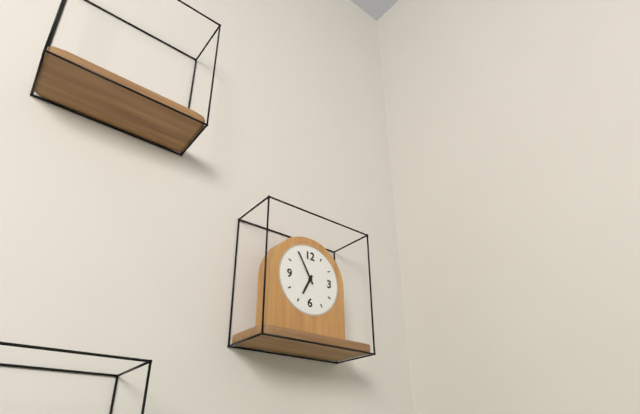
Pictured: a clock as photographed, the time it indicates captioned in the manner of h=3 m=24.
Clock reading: h=6 m=55
